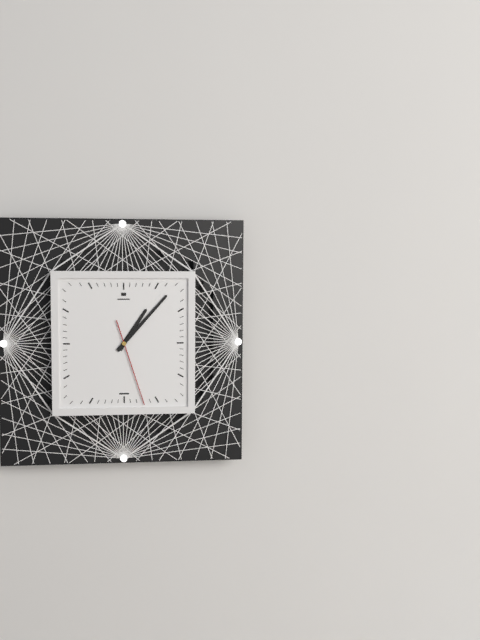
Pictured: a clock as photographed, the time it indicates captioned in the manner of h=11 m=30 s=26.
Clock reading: h=1 m=7 s=27
